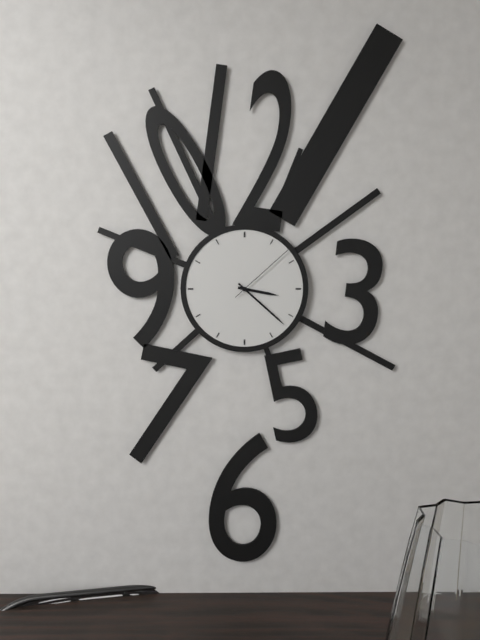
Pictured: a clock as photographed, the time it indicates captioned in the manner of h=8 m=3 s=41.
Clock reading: h=3 m=22 s=8
